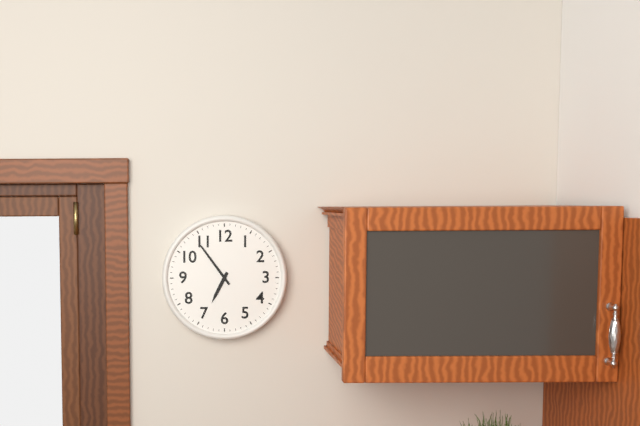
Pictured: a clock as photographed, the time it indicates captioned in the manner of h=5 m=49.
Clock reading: h=6 m=54
